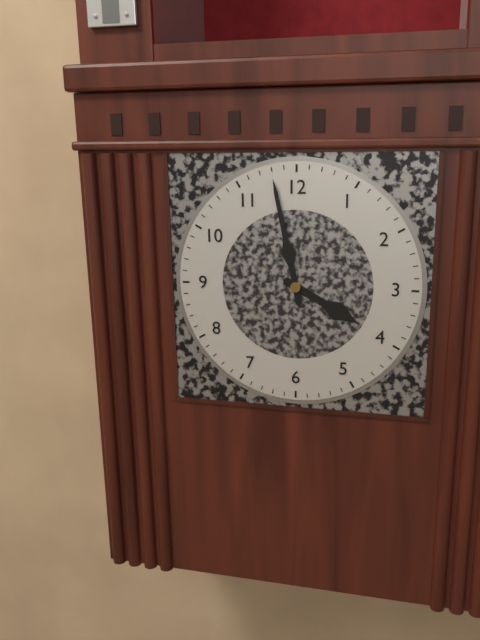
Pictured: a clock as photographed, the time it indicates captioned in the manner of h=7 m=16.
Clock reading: h=3 m=58
